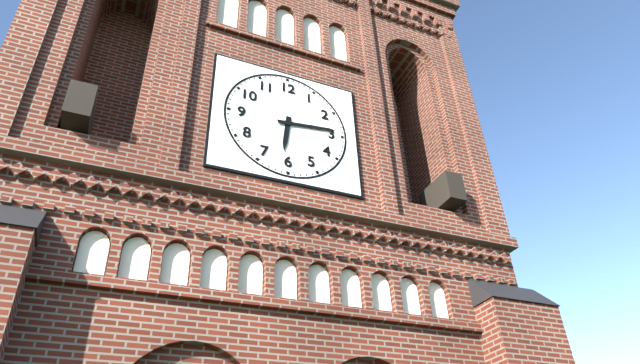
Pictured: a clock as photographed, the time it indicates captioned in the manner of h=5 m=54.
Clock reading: h=6 m=14
